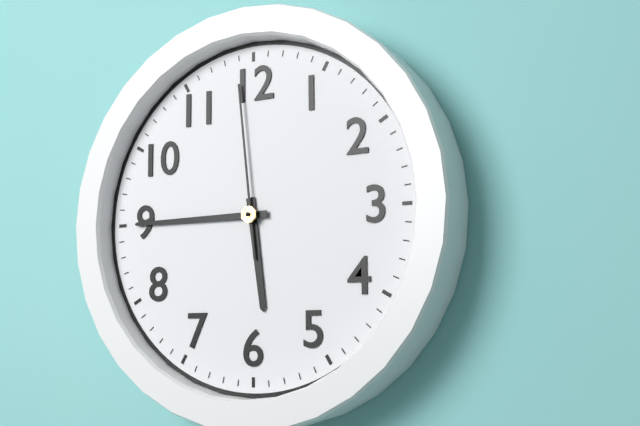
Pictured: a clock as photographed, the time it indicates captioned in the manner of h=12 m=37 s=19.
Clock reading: h=5 m=45 s=59
